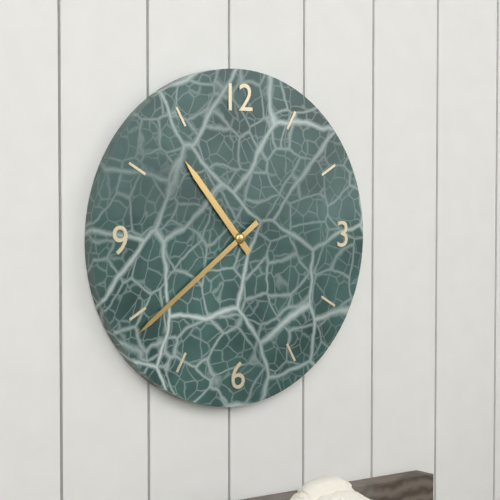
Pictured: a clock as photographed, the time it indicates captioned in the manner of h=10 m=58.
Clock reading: h=10 m=39
